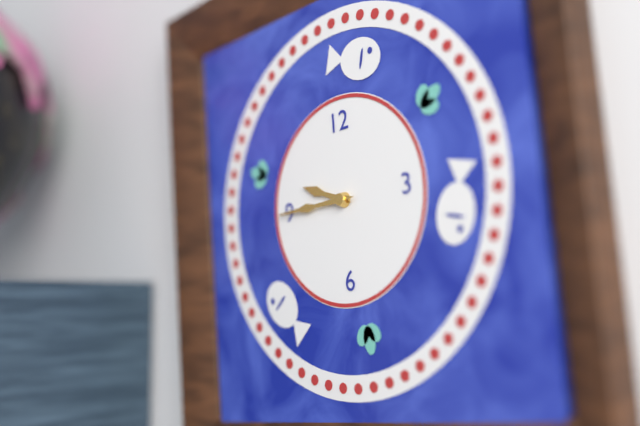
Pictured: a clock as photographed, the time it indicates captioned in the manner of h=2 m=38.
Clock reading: h=9 m=45
